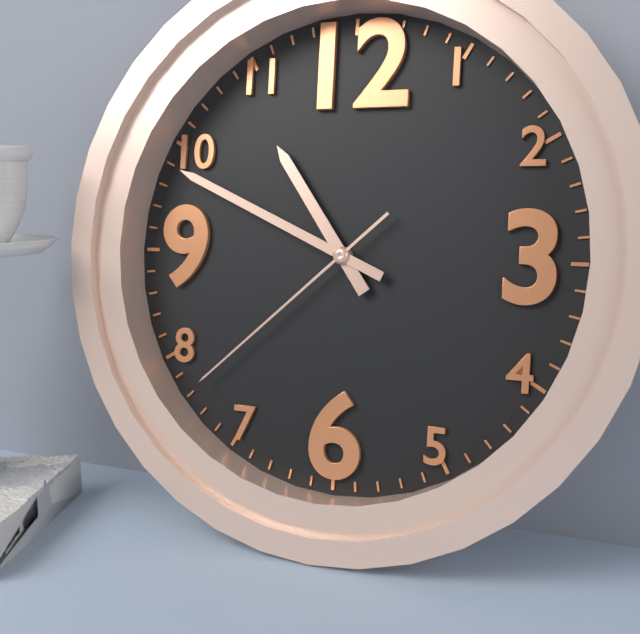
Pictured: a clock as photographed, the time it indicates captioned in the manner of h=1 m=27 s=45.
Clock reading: h=10 m=49 s=38
